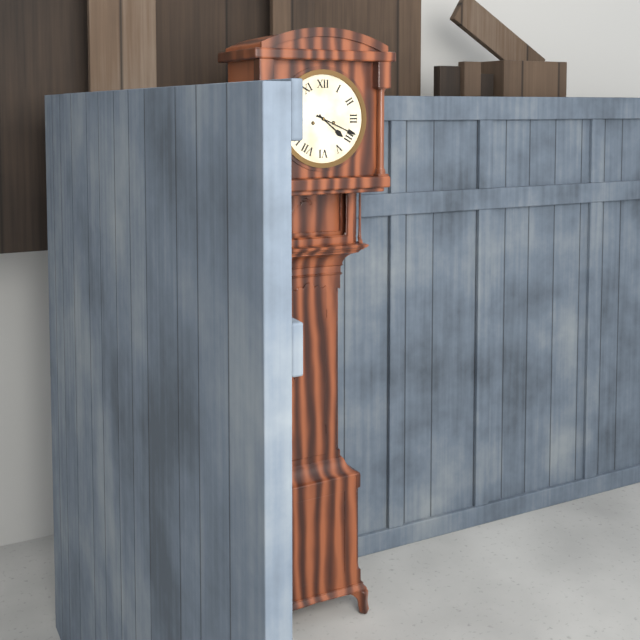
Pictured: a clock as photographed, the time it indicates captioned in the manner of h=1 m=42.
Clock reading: h=4 m=19
